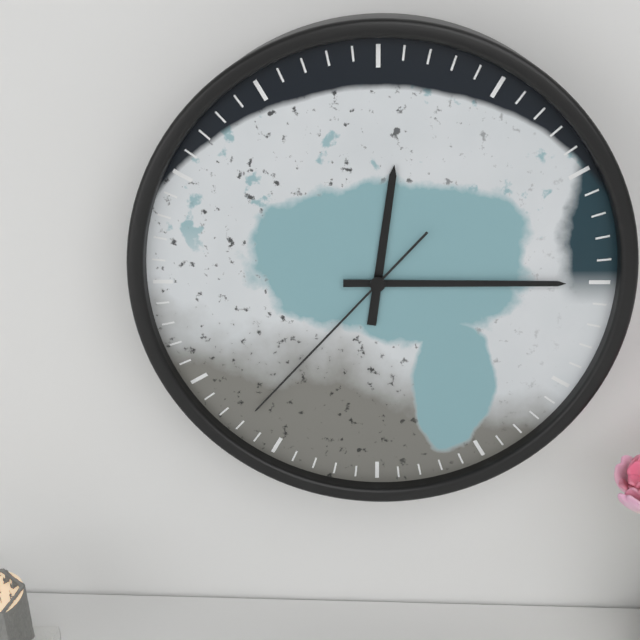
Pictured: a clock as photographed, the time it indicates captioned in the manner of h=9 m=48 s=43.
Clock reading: h=12 m=15 s=37
